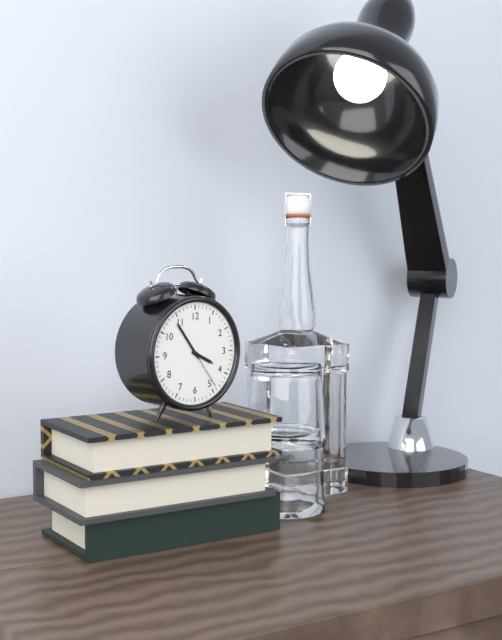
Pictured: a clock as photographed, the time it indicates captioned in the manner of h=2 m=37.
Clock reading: h=3 m=54
